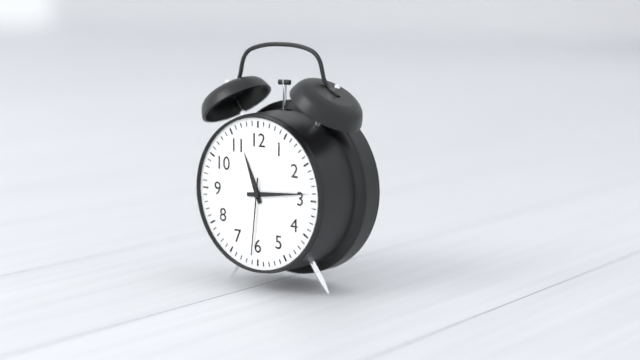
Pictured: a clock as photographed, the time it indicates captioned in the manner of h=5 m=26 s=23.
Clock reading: h=11 m=14 s=31
